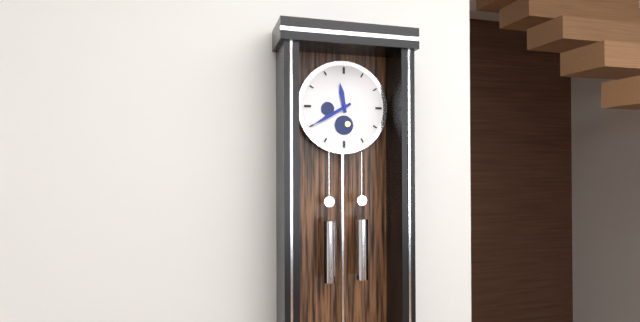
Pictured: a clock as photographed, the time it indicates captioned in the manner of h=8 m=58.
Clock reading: h=11 m=40
